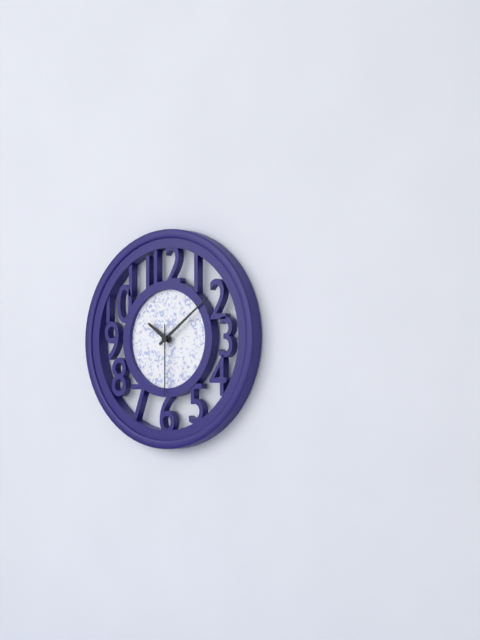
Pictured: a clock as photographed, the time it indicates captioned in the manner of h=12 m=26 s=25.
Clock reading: h=10 m=9 s=30
